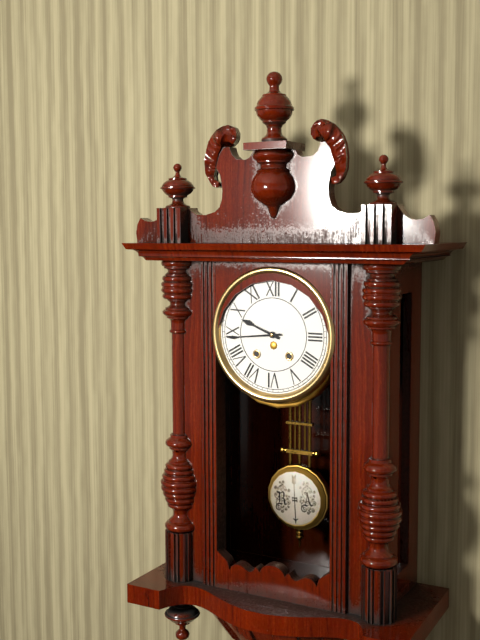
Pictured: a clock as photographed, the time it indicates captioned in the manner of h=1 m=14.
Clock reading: h=9 m=44
